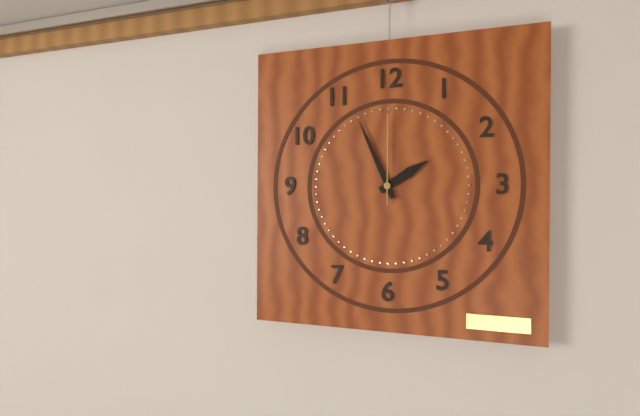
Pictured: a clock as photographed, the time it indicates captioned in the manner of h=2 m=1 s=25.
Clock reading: h=1 m=56 s=0
